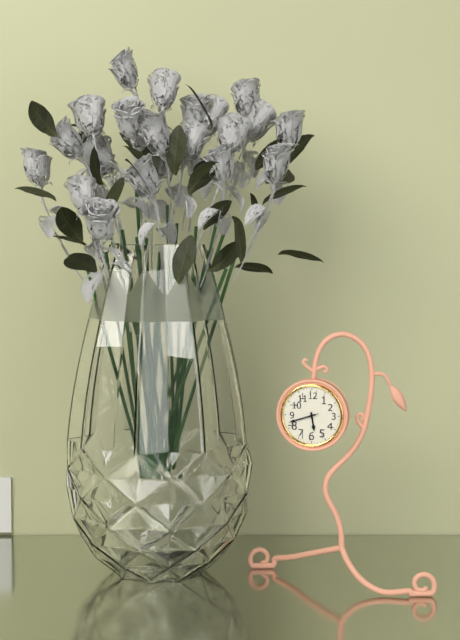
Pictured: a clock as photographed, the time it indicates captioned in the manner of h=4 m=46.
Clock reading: h=5 m=42
